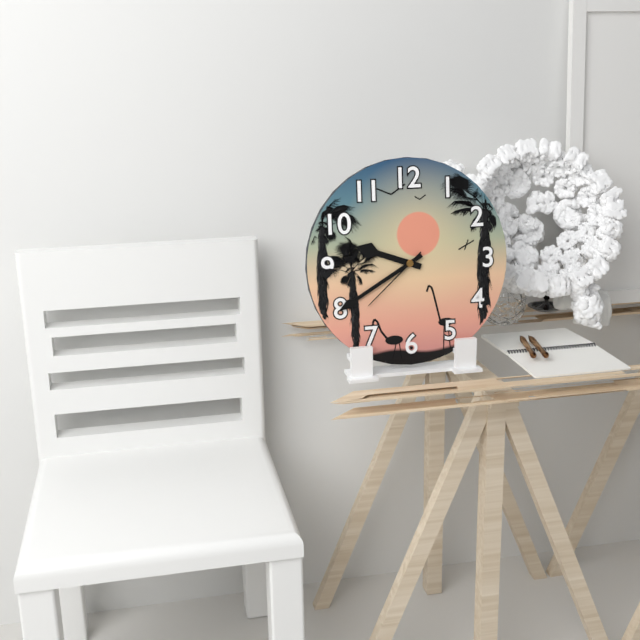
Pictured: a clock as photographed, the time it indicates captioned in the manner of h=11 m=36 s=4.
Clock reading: h=9 m=40 s=38
